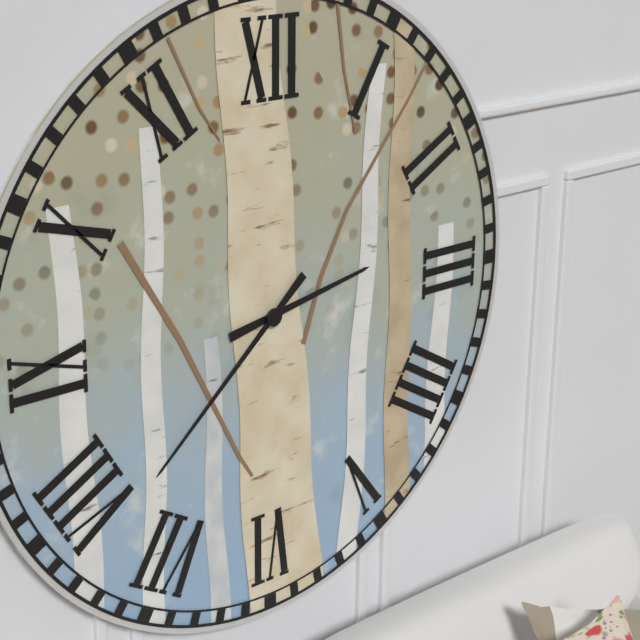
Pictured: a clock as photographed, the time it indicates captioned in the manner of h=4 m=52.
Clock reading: h=2 m=38
